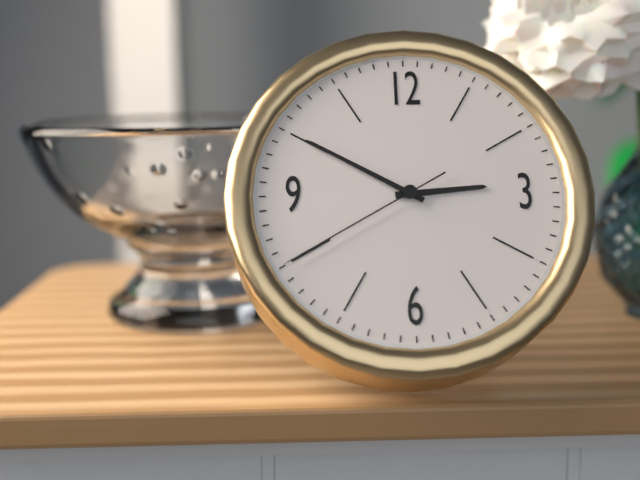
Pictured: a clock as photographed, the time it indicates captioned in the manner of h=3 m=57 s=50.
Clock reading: h=2 m=50 s=40
